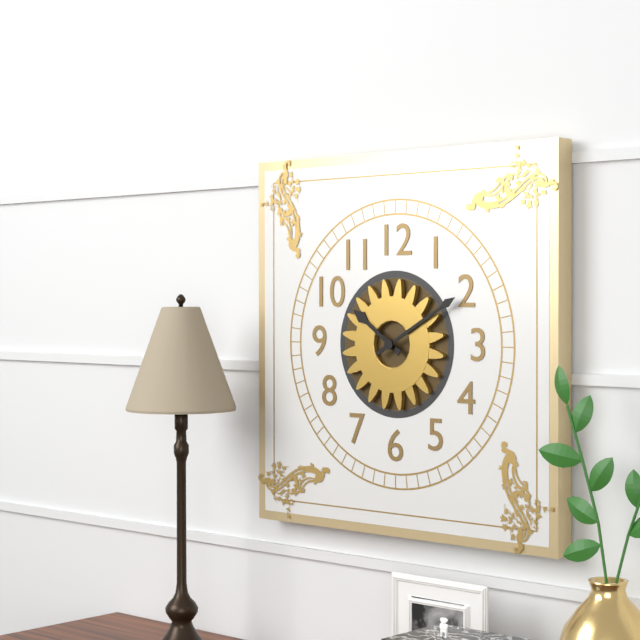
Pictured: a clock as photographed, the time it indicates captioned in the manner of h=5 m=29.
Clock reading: h=10 m=10
